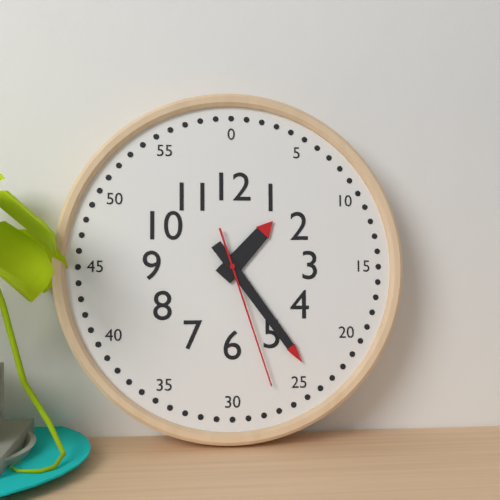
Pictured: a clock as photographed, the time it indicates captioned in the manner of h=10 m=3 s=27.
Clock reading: h=1 m=24 s=27
